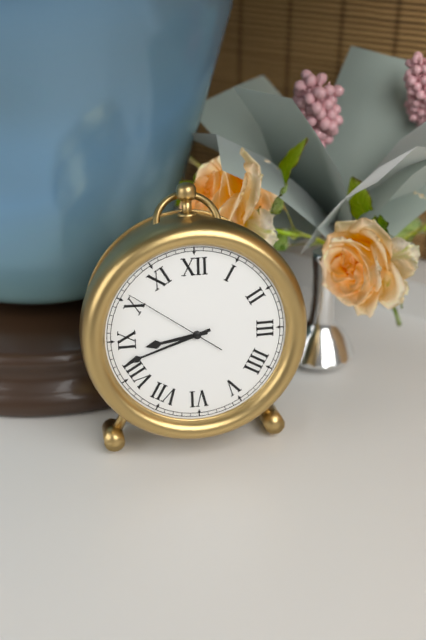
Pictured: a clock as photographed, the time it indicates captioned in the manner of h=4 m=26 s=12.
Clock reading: h=8 m=42 s=51
